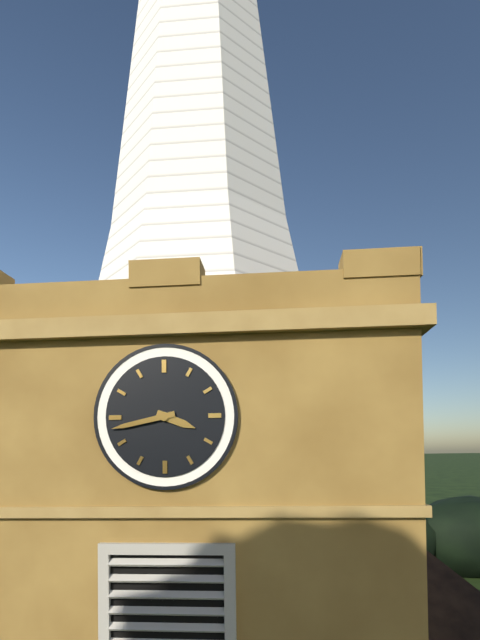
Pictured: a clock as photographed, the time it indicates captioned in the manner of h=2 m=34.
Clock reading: h=3 m=43
